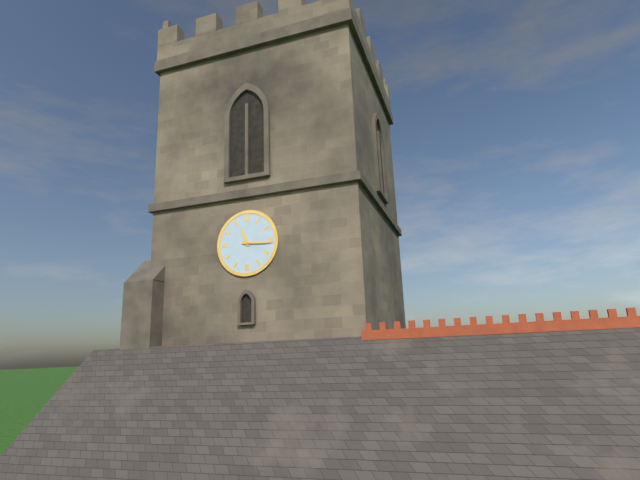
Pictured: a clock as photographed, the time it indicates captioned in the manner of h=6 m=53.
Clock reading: h=11 m=16
